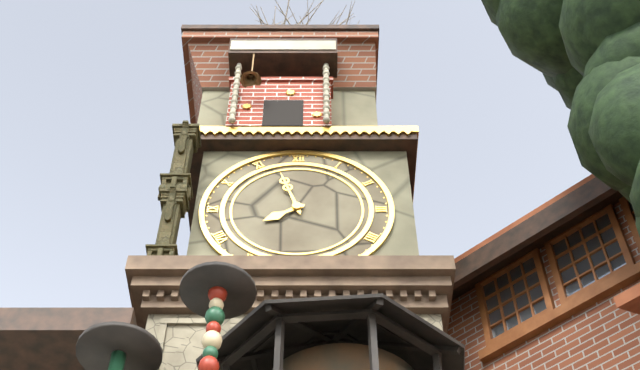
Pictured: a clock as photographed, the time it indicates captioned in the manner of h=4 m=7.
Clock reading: h=7 m=57
